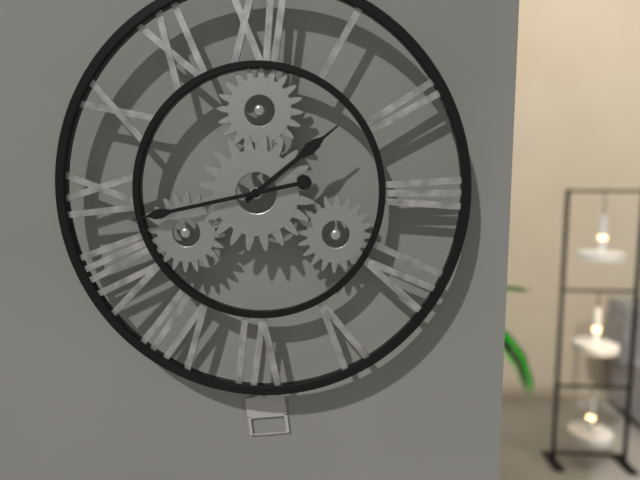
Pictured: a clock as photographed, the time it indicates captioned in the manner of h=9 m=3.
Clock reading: h=1 m=43
